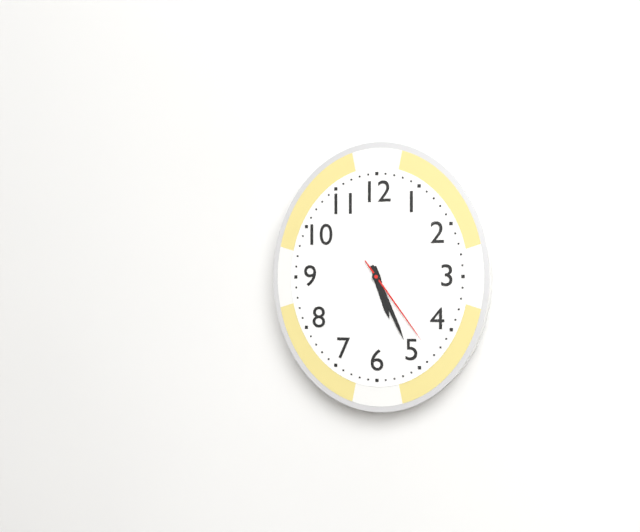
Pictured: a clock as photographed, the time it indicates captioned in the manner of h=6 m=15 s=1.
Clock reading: h=5 m=26 s=24
